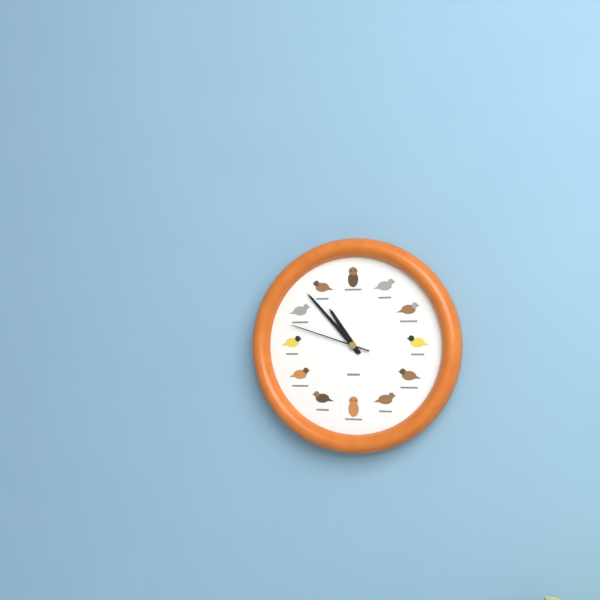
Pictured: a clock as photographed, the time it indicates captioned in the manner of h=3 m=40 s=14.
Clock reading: h=10 m=53 s=48
